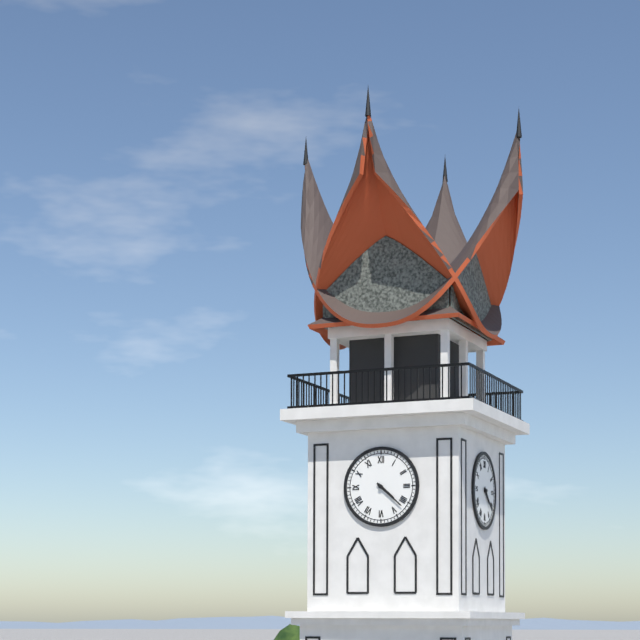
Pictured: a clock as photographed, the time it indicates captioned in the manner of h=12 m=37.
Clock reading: h=4 m=22
